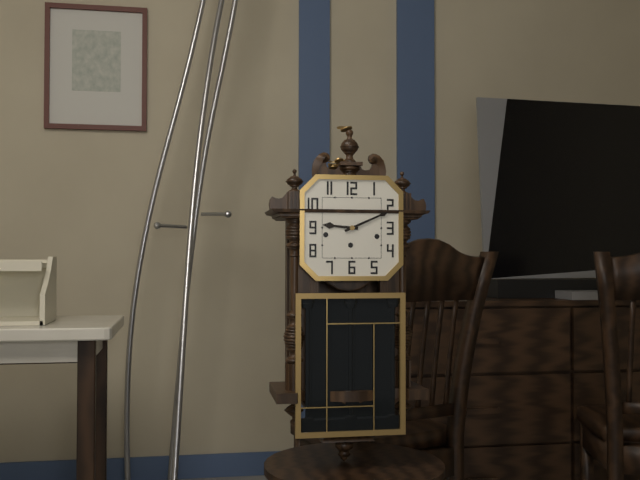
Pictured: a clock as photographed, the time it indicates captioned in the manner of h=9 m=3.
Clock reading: h=9 m=11
